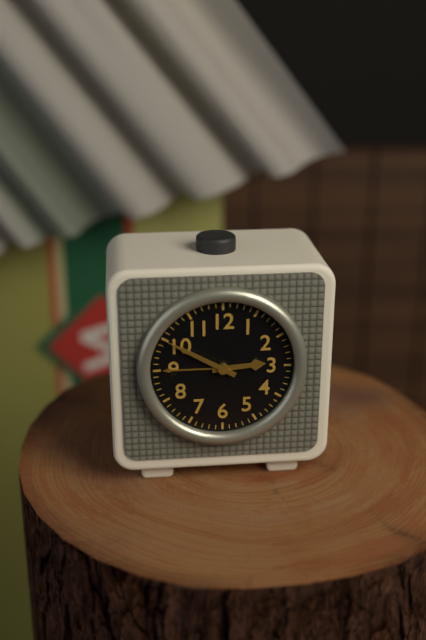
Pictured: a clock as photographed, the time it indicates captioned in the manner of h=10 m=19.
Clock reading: h=2 m=50
